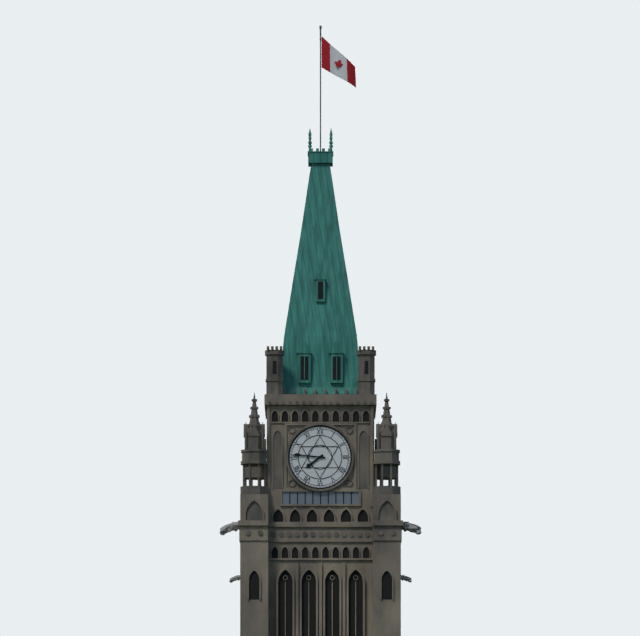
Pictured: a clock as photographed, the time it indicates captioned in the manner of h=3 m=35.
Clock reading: h=7 m=46
